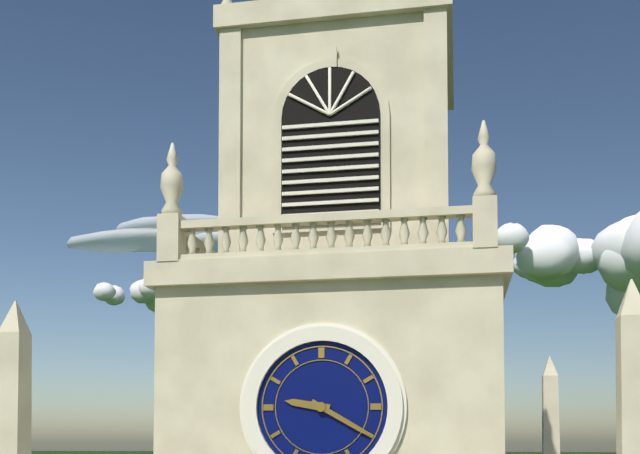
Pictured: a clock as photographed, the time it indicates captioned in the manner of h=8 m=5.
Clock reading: h=9 m=20
